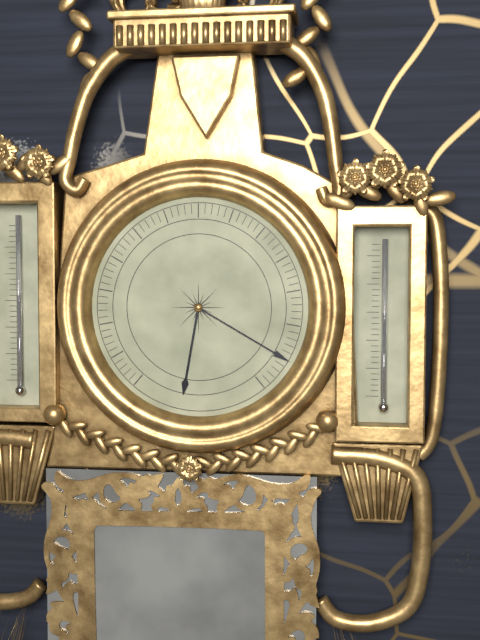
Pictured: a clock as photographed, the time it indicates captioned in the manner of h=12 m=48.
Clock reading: h=6 m=20
